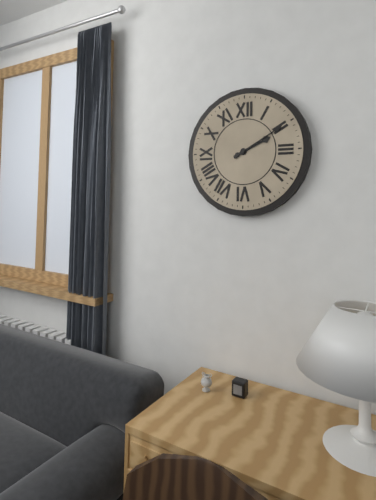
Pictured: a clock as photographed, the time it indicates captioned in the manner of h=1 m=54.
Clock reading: h=2 m=10
